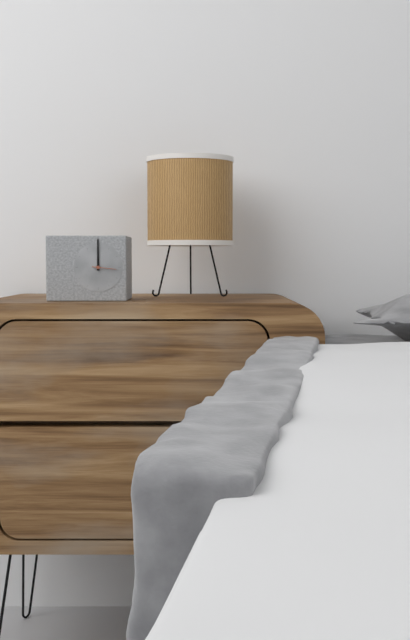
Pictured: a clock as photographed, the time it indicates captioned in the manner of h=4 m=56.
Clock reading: h=12 m=0
